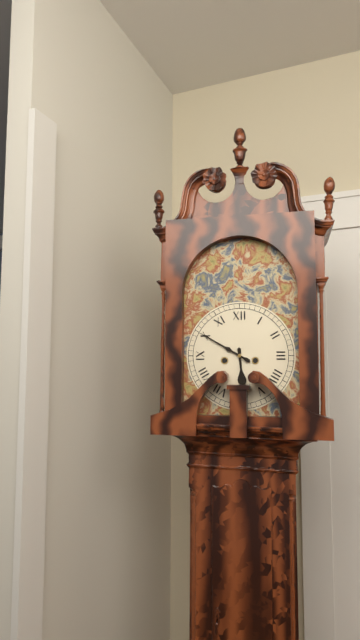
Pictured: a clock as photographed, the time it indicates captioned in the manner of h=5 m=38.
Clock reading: h=5 m=50
